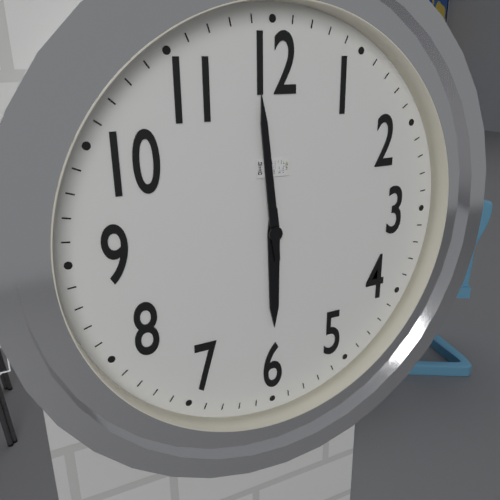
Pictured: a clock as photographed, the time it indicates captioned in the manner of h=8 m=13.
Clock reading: h=5 m=59
